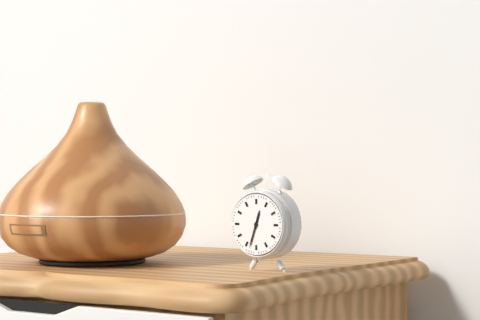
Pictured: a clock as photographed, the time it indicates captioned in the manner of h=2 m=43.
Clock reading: h=12 m=33
